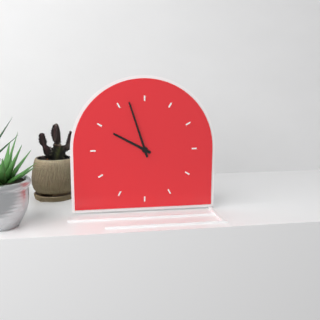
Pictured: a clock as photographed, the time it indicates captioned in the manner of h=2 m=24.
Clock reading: h=9 m=57
